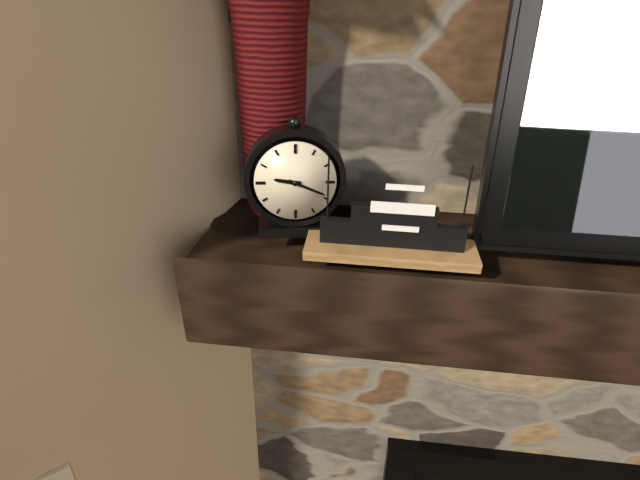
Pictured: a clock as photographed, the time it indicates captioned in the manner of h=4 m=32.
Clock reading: h=9 m=19
